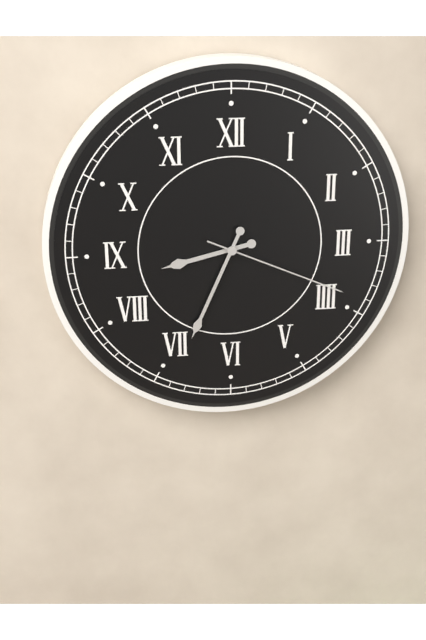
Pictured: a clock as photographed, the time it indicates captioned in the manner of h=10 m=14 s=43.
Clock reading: h=8 m=34 s=19
